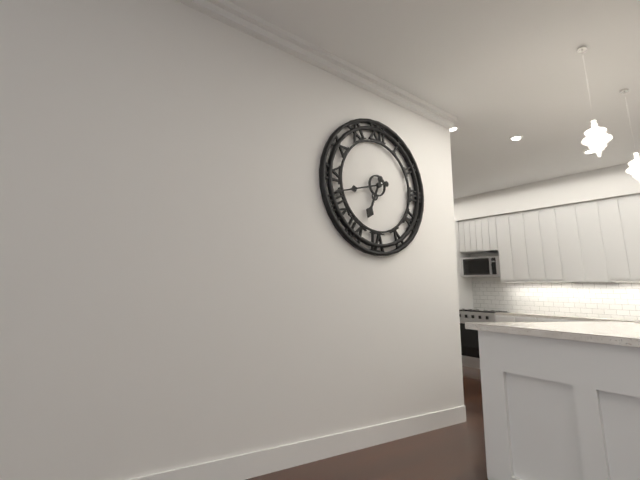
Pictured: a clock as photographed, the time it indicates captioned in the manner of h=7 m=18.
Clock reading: h=6 m=42
